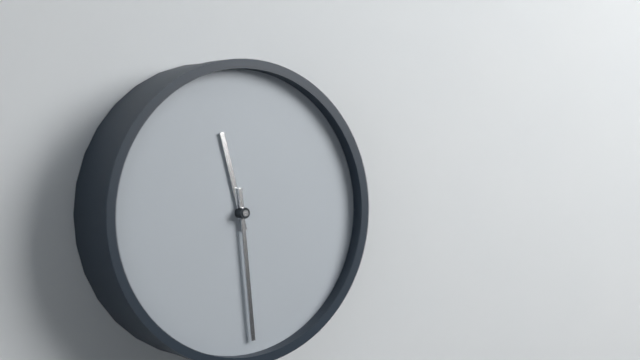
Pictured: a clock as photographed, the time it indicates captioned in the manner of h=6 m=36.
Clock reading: h=11 m=29
